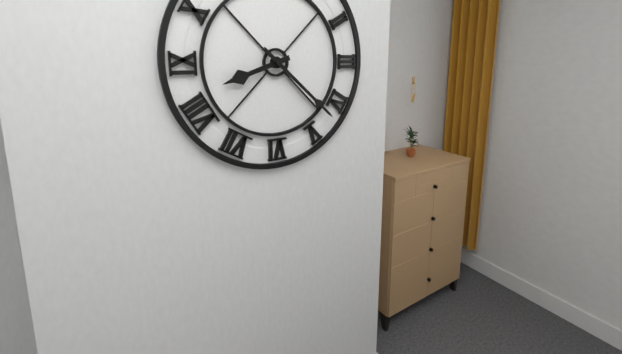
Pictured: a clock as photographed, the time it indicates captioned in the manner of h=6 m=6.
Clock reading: h=8 m=22
